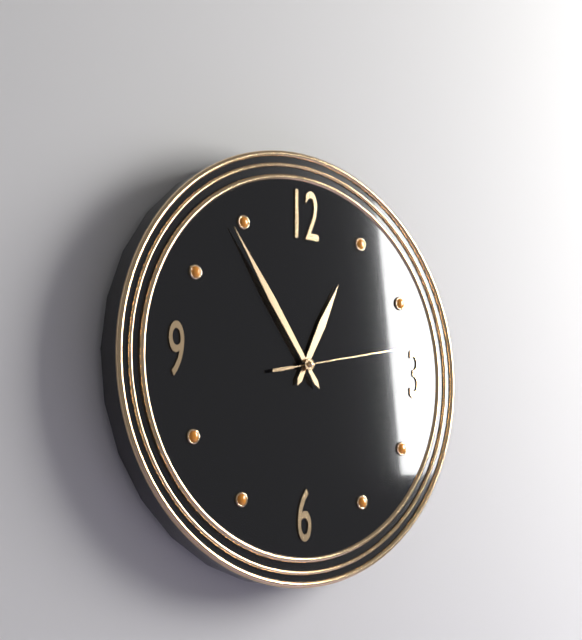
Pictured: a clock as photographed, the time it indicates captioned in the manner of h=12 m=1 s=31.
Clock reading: h=12 m=54 s=13
